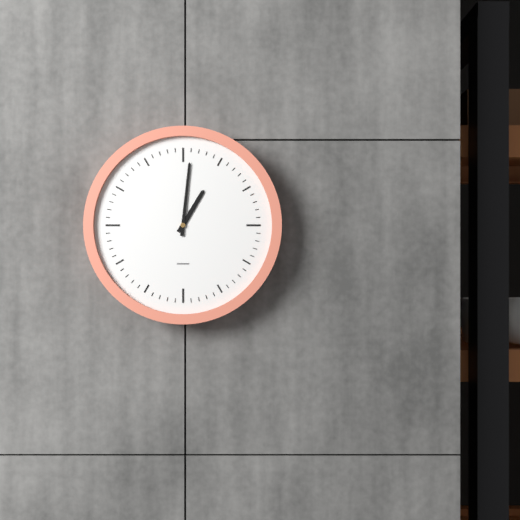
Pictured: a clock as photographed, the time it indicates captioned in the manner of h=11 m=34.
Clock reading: h=1 m=1
